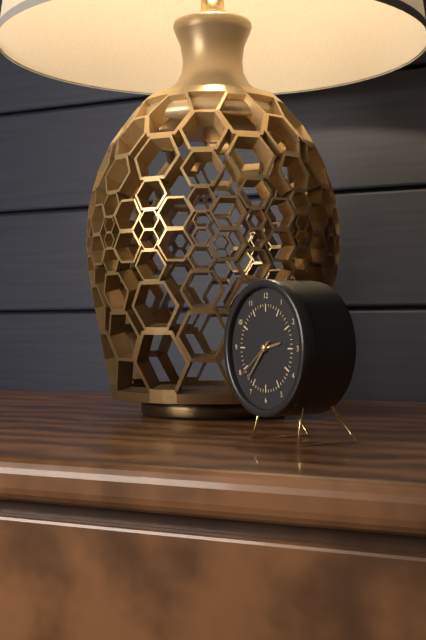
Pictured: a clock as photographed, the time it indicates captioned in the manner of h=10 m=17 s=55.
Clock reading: h=2 m=37 s=39
